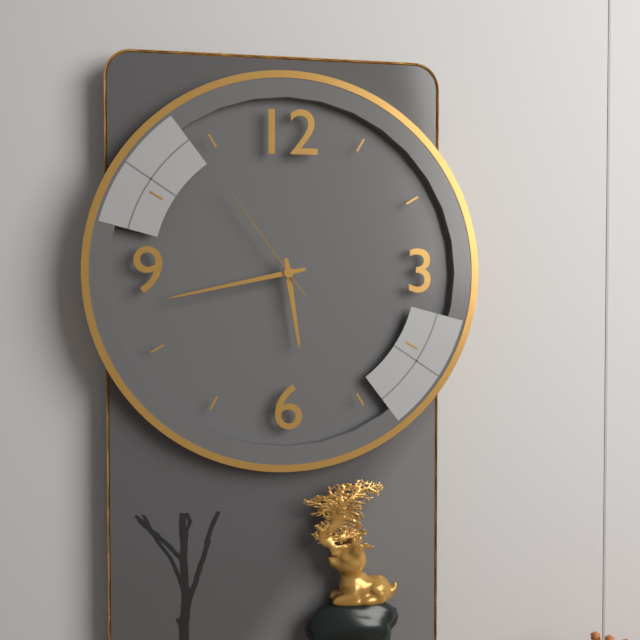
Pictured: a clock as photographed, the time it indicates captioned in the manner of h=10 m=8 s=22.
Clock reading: h=5 m=43 s=54
